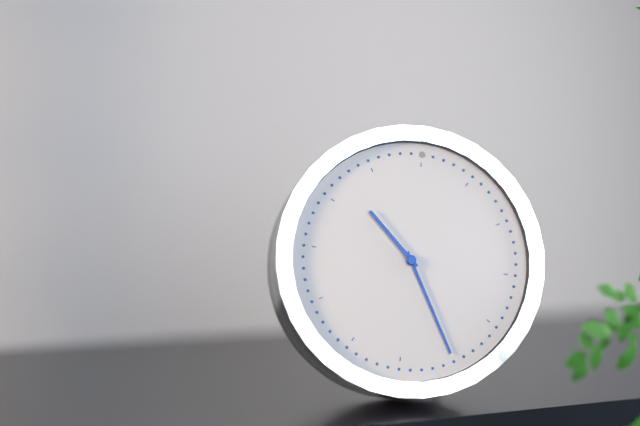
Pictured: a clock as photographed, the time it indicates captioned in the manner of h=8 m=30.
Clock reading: h=10 m=25
